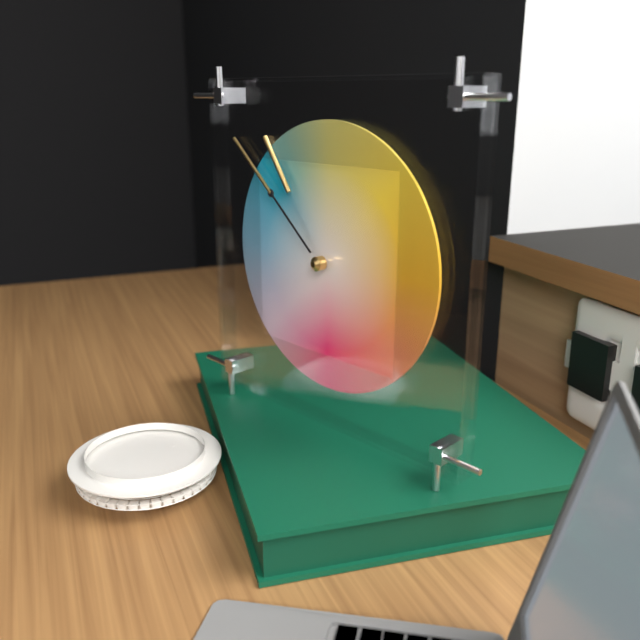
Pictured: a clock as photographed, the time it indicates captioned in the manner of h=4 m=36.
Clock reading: h=10 m=52
